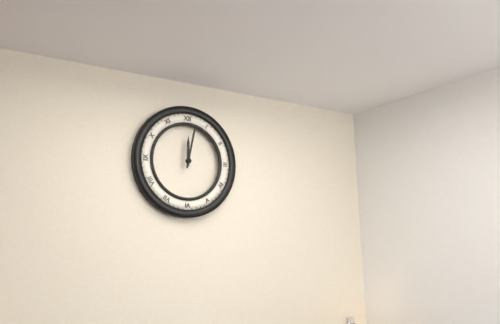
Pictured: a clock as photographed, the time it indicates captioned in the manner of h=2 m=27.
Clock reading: h=12 m=2
